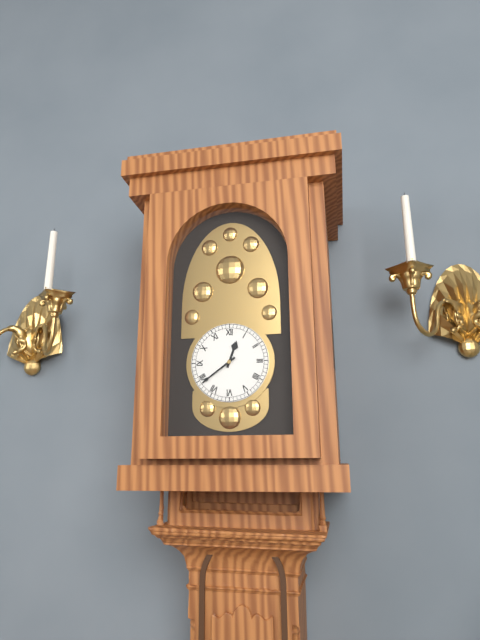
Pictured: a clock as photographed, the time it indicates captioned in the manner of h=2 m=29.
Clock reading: h=12 m=39
